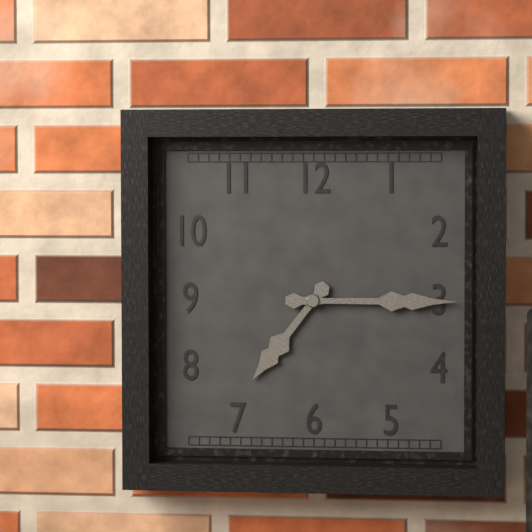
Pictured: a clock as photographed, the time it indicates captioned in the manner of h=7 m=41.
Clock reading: h=7 m=15
